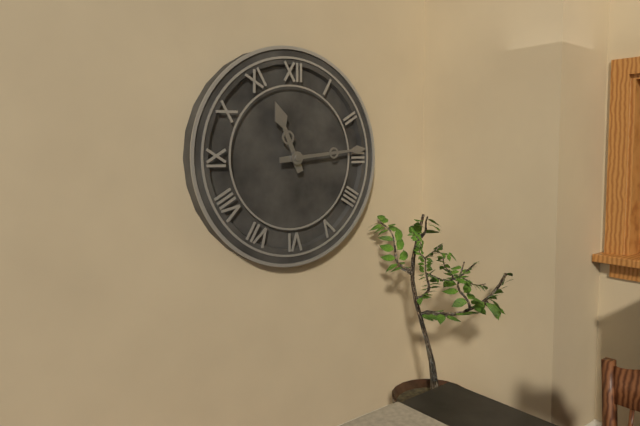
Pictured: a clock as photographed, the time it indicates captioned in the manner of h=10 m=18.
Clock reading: h=11 m=14
